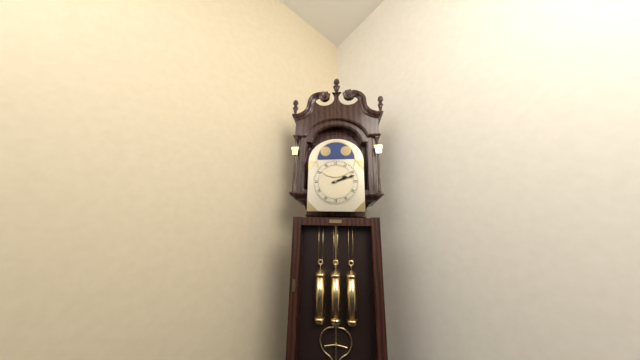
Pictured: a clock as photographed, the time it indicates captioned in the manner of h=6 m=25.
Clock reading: h=2 m=12
